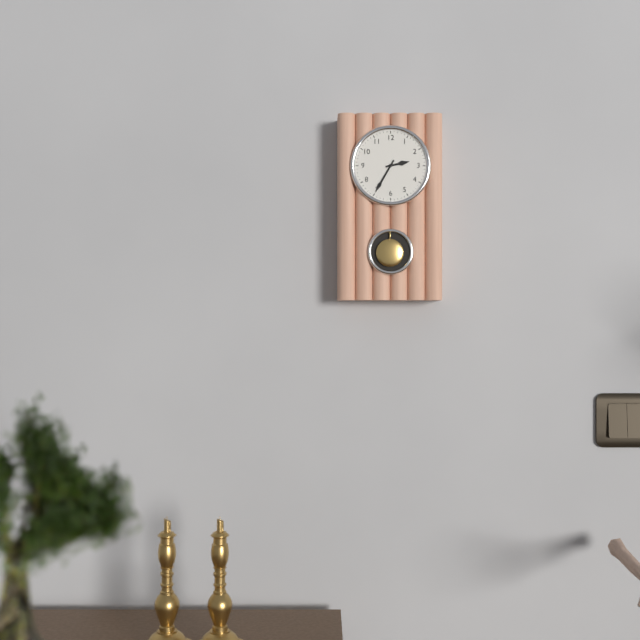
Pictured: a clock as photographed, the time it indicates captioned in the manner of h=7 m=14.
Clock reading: h=2 m=35
